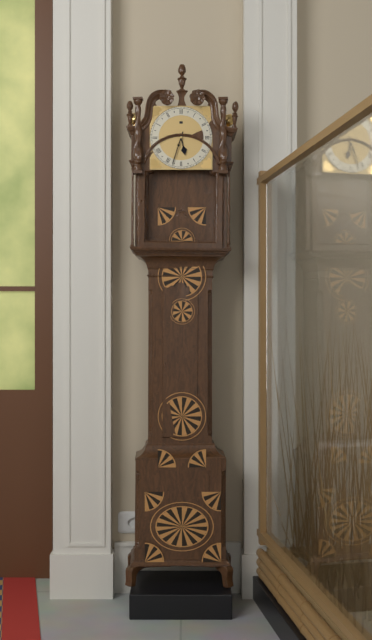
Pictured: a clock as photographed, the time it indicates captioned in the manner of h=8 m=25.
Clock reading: h=5 m=33
